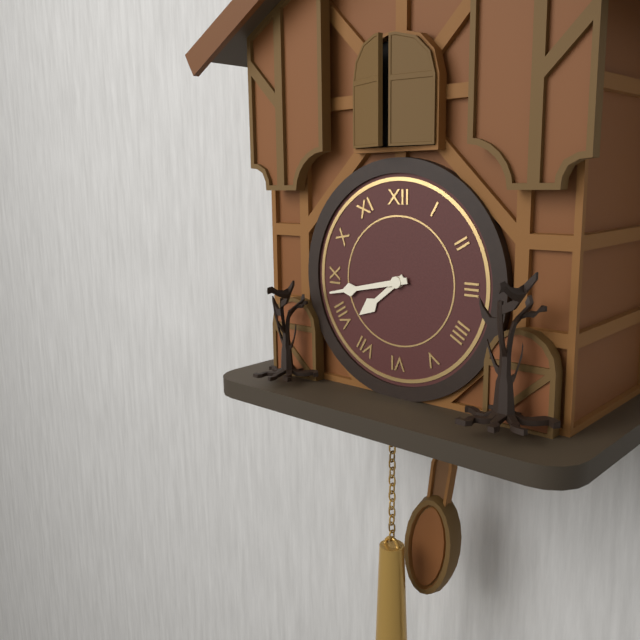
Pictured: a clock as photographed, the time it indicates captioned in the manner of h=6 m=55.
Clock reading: h=7 m=43
